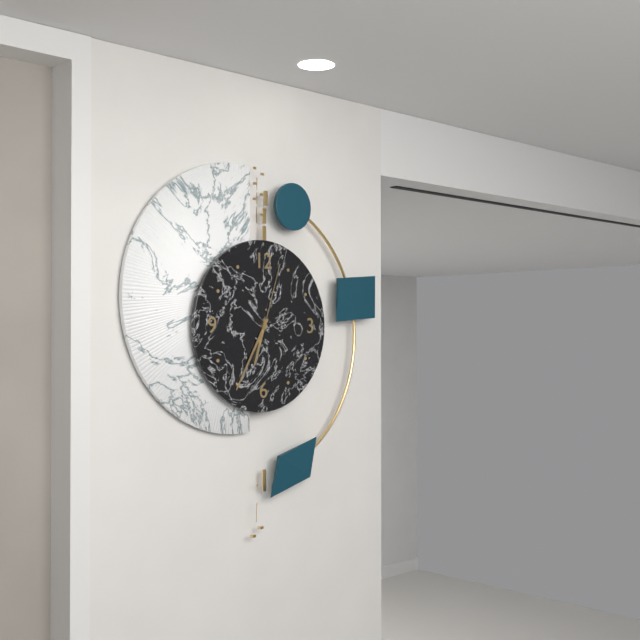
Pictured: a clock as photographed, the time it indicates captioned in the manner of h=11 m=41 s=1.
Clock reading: h=6 m=35 s=3
